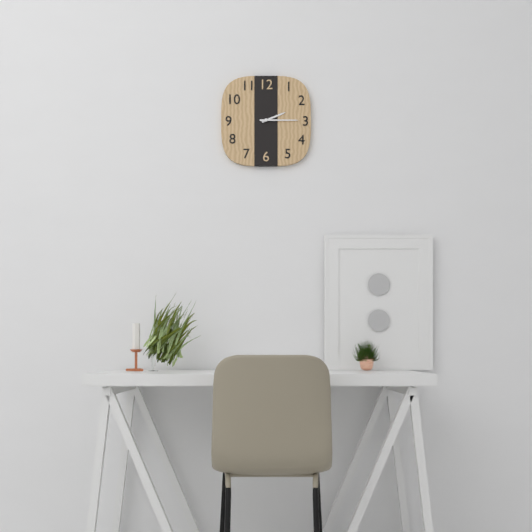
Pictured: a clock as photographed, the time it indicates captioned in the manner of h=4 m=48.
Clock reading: h=2 m=15
